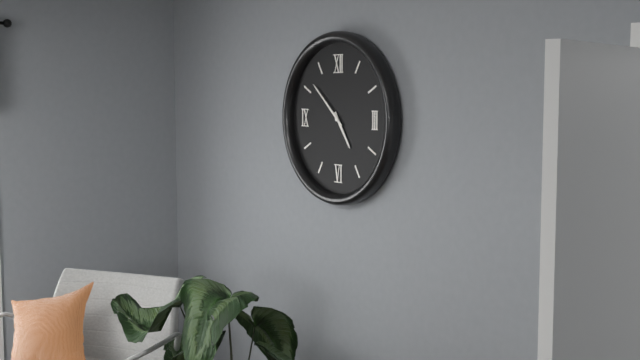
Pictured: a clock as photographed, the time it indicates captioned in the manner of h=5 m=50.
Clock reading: h=4 m=52
